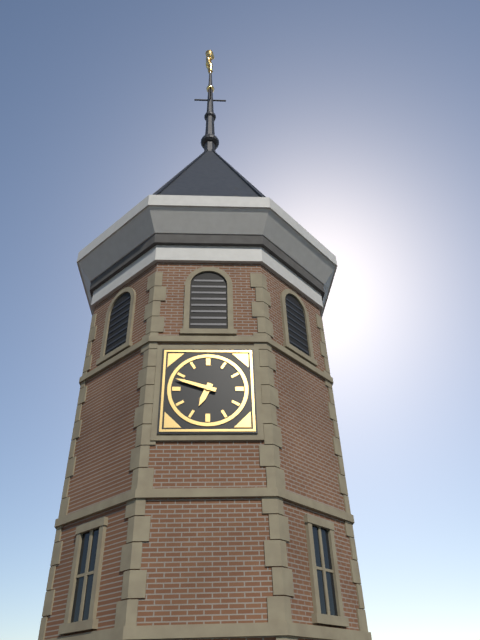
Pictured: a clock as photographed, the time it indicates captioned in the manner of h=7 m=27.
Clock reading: h=6 m=48
